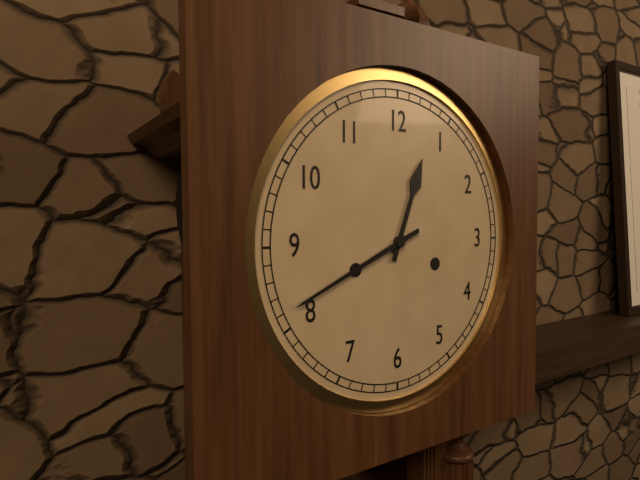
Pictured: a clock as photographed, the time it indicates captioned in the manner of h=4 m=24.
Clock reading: h=12 m=41
